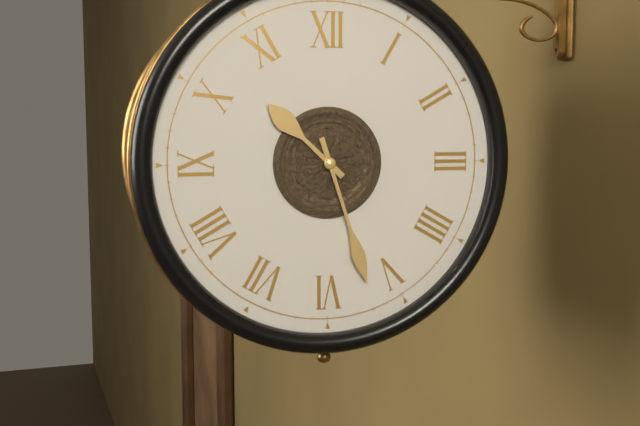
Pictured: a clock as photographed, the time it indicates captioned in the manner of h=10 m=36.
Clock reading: h=10 m=27
